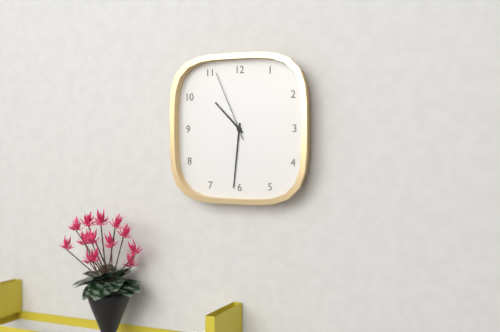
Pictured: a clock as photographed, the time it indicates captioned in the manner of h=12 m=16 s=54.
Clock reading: h=10 m=31 s=56
